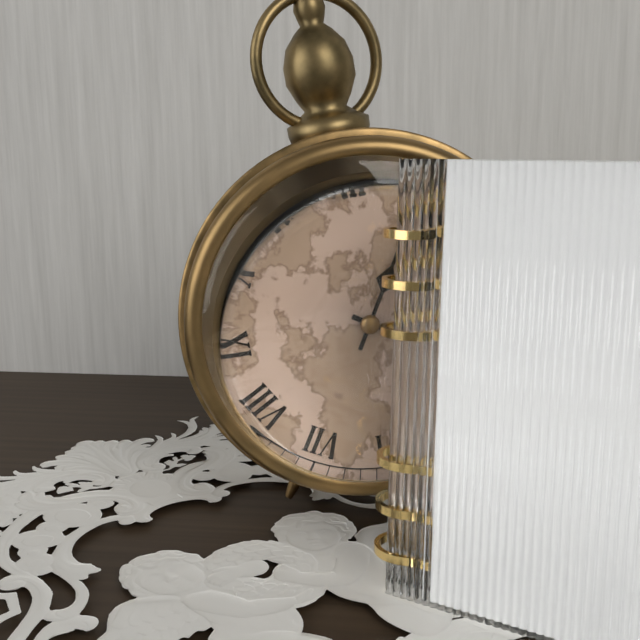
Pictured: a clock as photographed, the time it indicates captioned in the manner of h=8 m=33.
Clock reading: h=4 m=5
